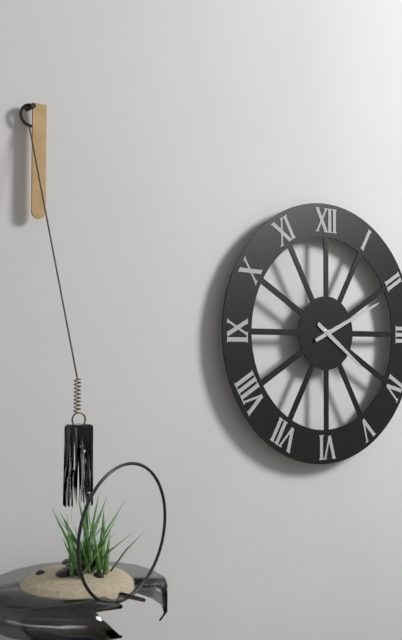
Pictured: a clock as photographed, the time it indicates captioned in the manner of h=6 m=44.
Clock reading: h=4 m=11
